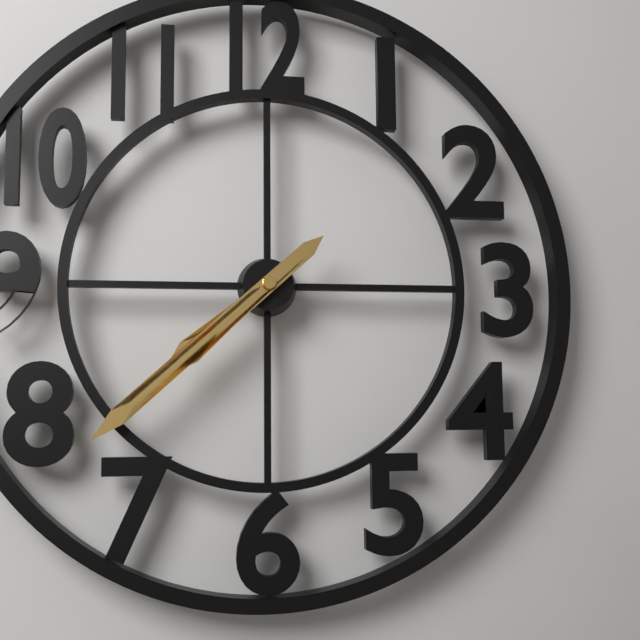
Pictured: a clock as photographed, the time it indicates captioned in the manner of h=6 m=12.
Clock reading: h=7 m=38
